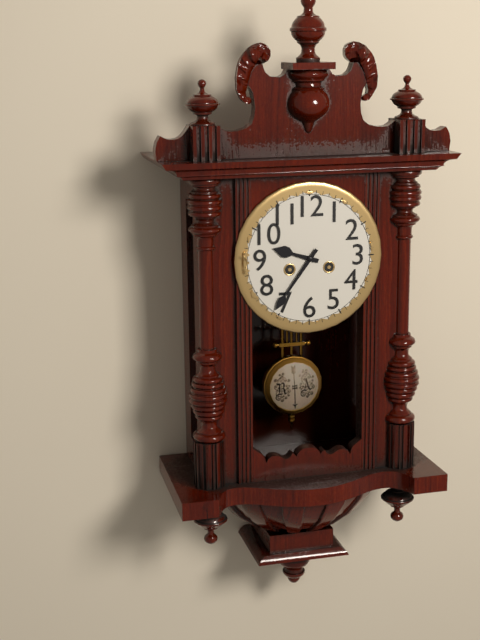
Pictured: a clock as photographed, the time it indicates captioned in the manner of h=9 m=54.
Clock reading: h=9 m=36
